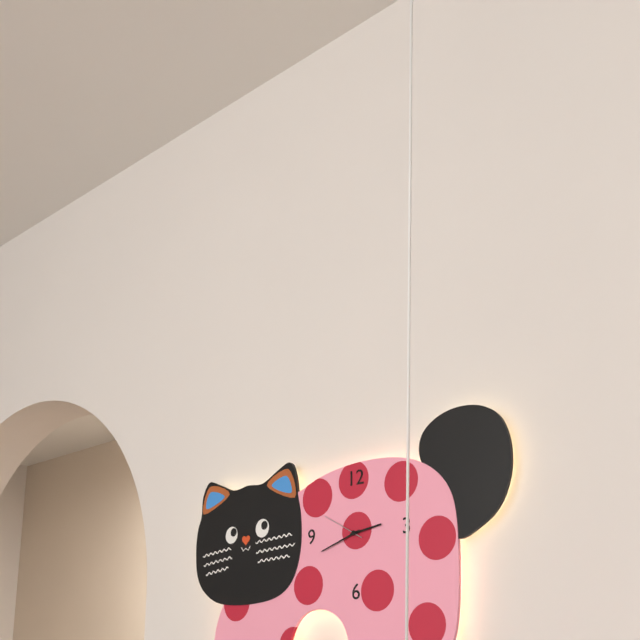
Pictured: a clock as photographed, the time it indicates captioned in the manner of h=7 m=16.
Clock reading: h=2 m=42
